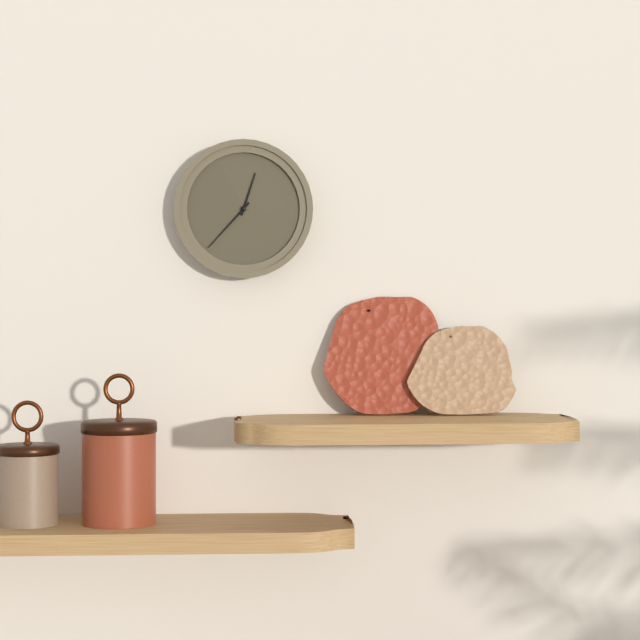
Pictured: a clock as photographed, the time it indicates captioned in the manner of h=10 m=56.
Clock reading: h=12 m=37
